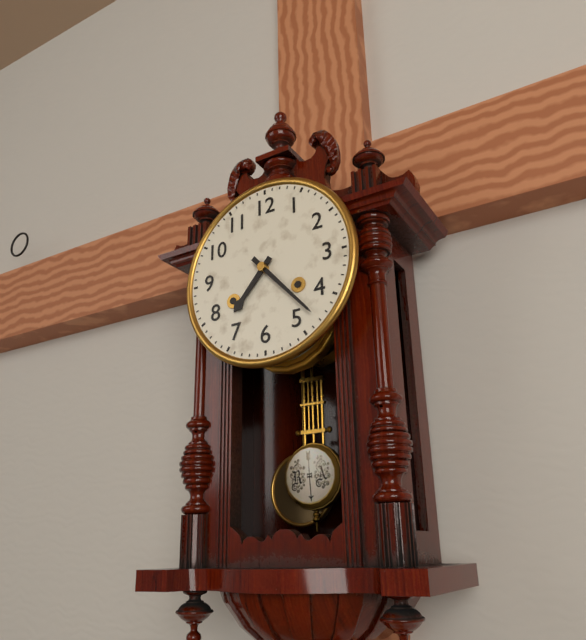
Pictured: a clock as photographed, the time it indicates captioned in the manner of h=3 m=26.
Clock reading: h=7 m=23
